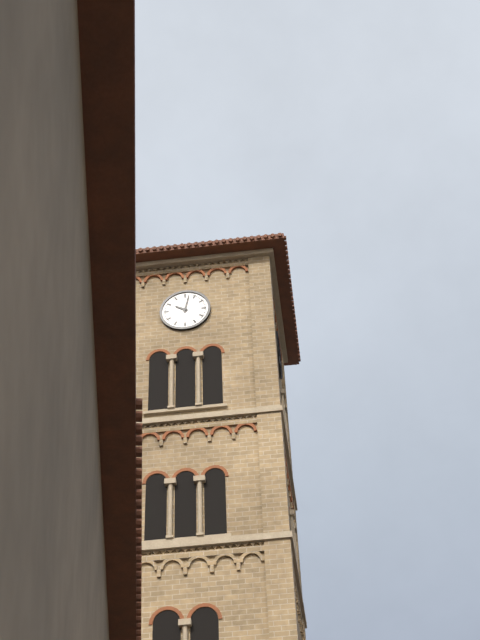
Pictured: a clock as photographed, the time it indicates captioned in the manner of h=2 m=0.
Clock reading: h=10 m=2
